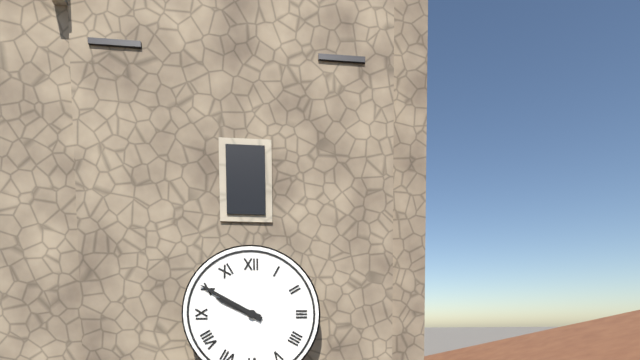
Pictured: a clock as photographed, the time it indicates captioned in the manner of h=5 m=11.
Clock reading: h=9 m=50
